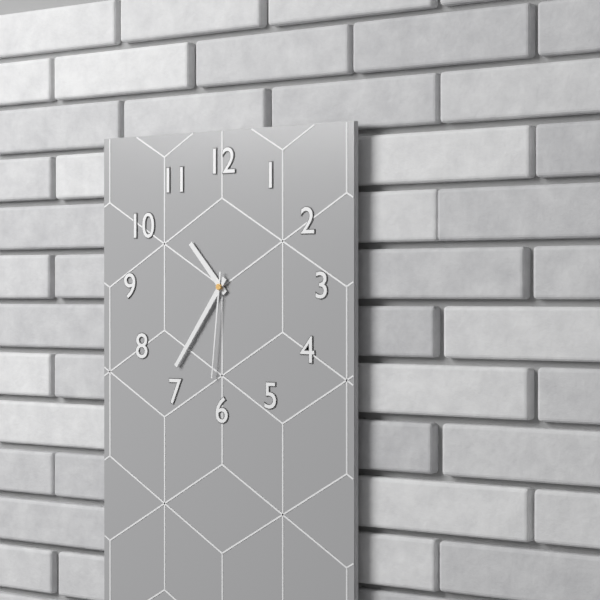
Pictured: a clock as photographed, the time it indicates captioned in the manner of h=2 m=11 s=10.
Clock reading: h=10 m=36 s=31
